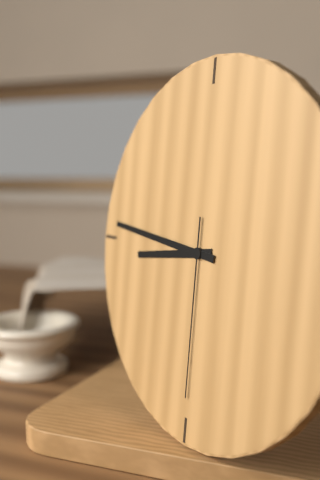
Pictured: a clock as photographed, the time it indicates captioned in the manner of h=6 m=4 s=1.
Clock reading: h=8 m=46 s=30
